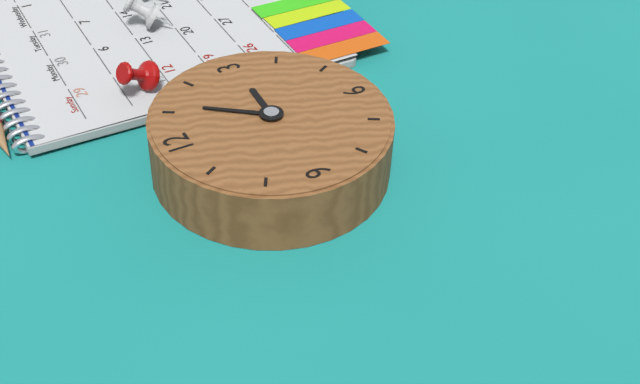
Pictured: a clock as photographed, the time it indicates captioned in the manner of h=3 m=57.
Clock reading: h=3 m=6
